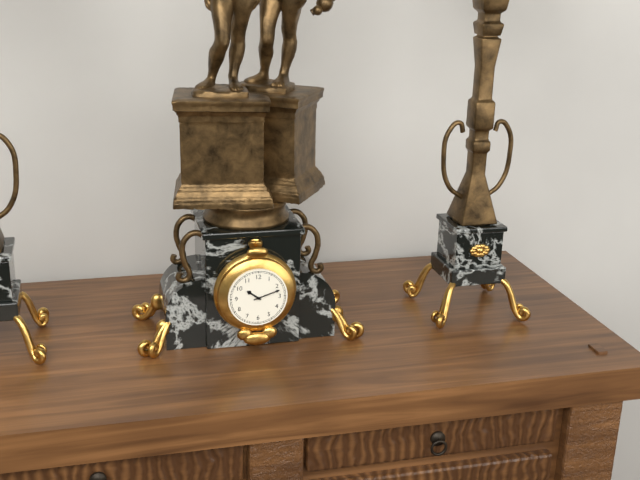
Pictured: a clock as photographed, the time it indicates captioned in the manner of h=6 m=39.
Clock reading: h=10 m=12
